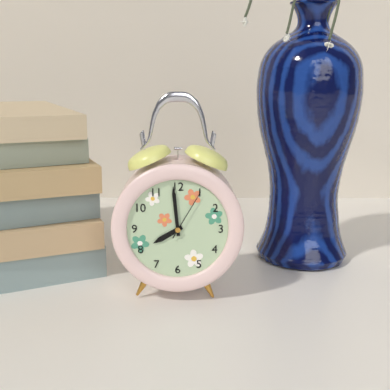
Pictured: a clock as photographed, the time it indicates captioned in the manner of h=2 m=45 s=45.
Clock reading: h=7 m=59 s=5
